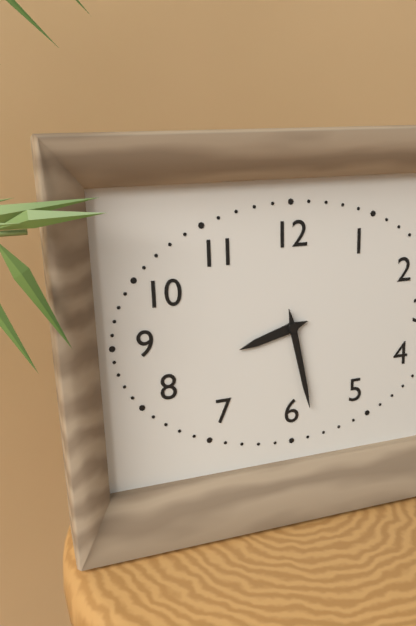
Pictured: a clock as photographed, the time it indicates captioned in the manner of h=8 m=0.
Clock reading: h=8 m=28
